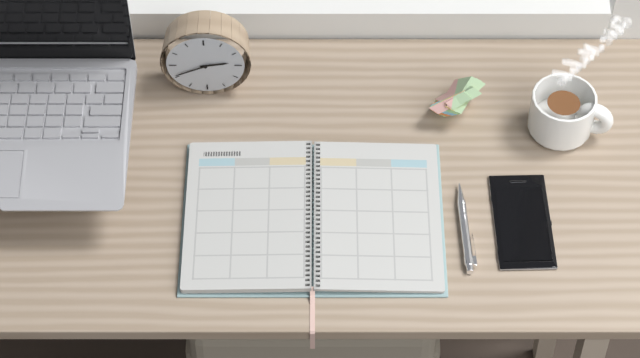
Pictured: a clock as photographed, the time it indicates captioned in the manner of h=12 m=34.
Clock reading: h=2 m=41
